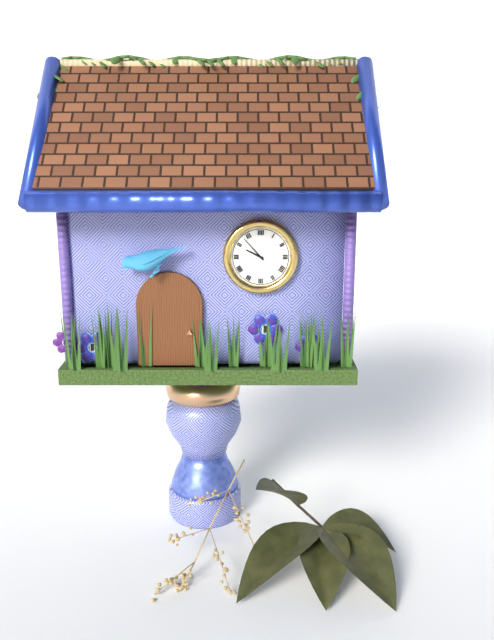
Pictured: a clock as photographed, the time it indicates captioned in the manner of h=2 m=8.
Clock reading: h=9 m=53
